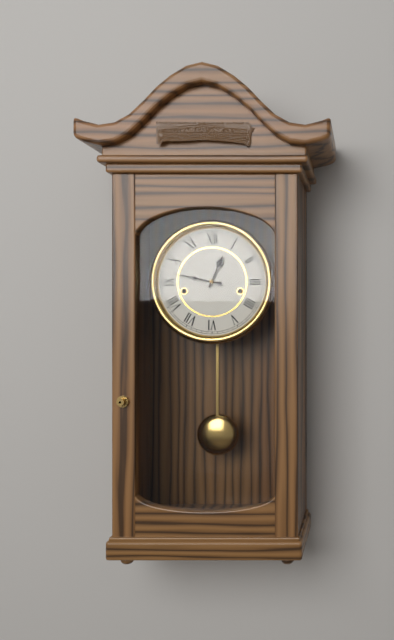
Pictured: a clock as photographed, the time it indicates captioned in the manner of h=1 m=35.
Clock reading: h=12 m=47
